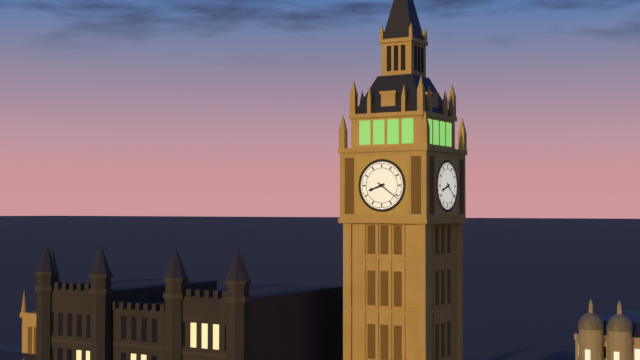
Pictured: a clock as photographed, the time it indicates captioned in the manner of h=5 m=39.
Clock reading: h=8 m=21
